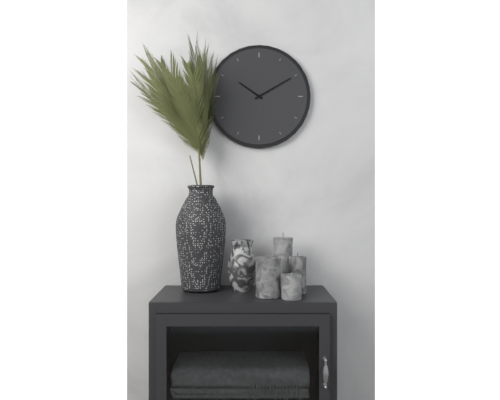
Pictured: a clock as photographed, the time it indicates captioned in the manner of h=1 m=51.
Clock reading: h=10 m=10
